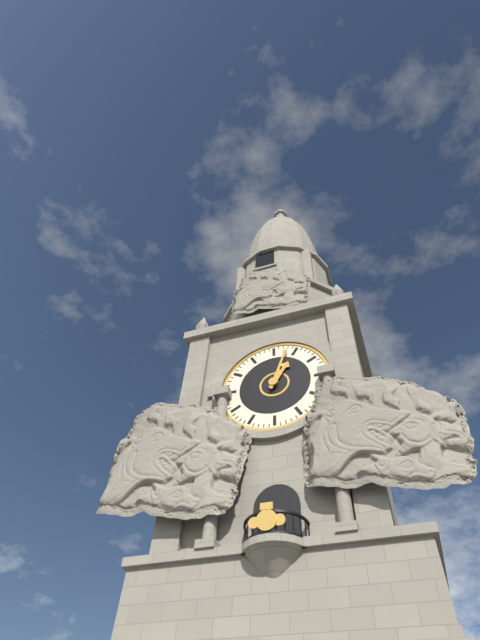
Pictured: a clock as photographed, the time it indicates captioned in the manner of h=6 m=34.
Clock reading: h=1 m=3
